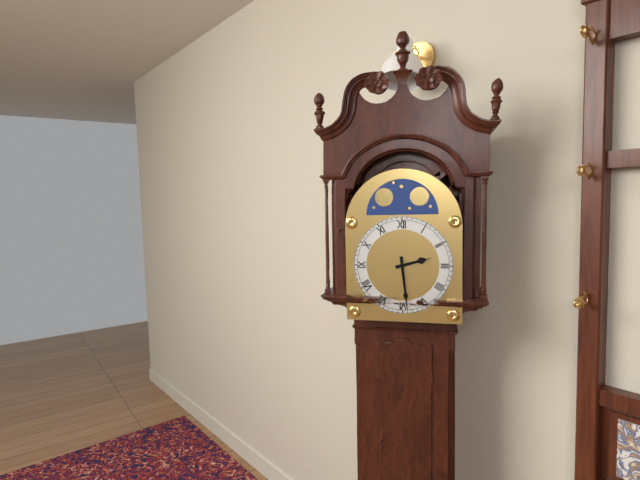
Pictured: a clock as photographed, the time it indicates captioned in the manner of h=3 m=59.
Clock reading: h=2 m=29
